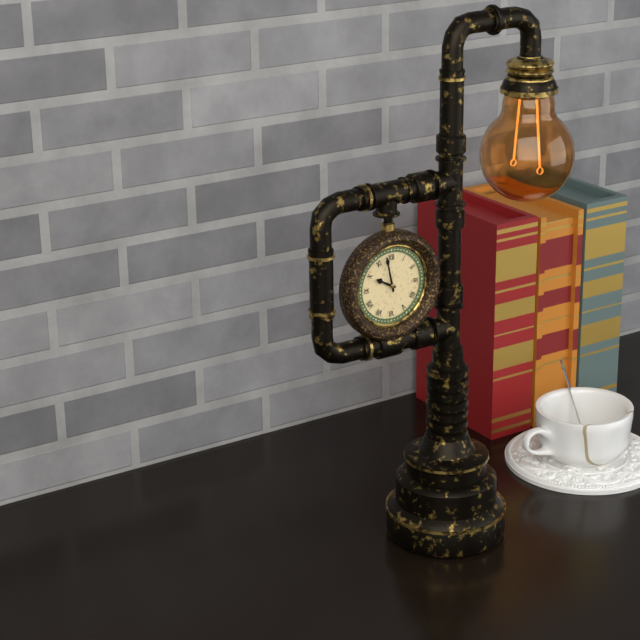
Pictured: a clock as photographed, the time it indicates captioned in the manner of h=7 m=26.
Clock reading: h=9 m=58
